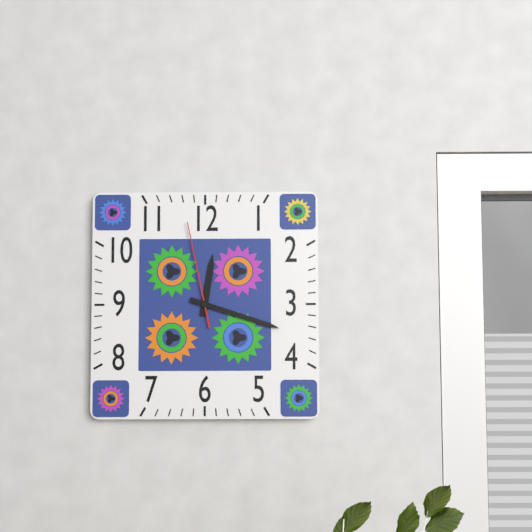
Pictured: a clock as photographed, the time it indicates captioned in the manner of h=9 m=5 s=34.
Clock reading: h=12 m=18 s=58
